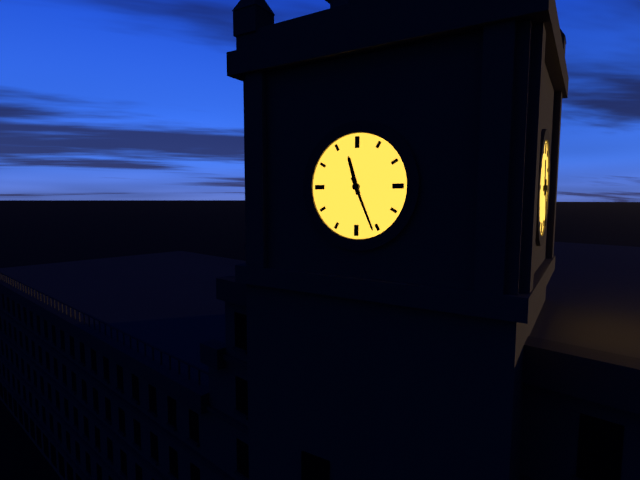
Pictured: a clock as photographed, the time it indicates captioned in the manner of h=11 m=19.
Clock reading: h=11 m=26
